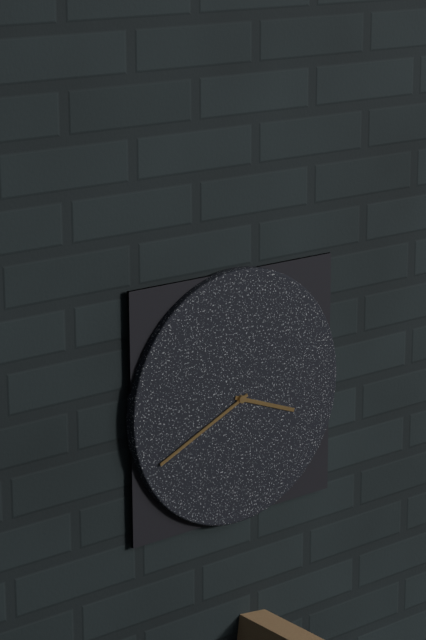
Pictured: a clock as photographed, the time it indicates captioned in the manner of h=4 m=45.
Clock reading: h=3 m=41
